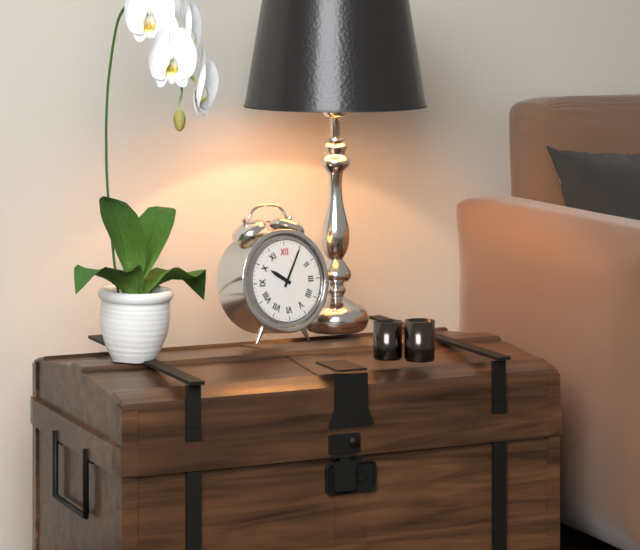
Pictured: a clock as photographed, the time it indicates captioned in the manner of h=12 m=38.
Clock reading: h=10 m=5
